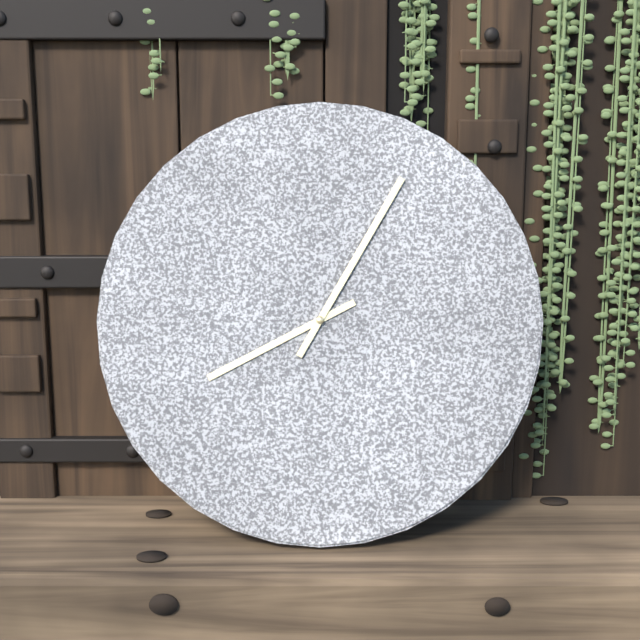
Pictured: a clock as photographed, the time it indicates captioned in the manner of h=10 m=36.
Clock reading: h=8 m=5
